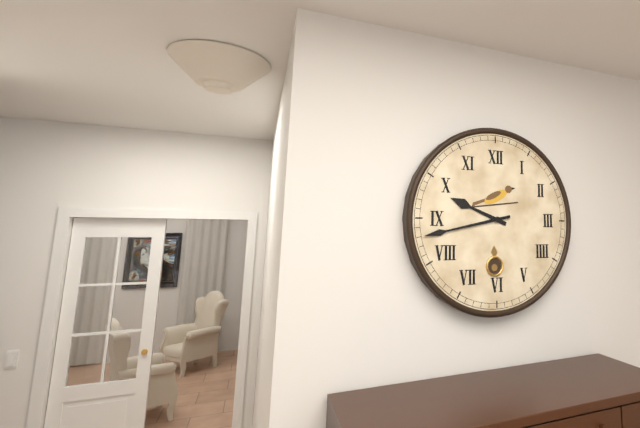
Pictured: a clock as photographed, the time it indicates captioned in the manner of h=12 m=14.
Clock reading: h=9 m=43
